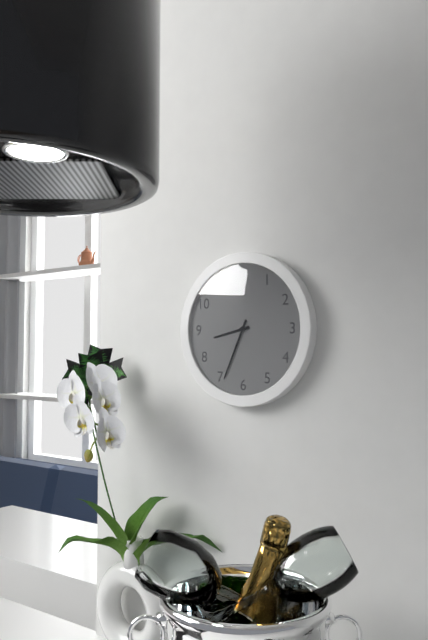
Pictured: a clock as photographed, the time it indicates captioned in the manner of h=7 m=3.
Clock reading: h=8 m=34
